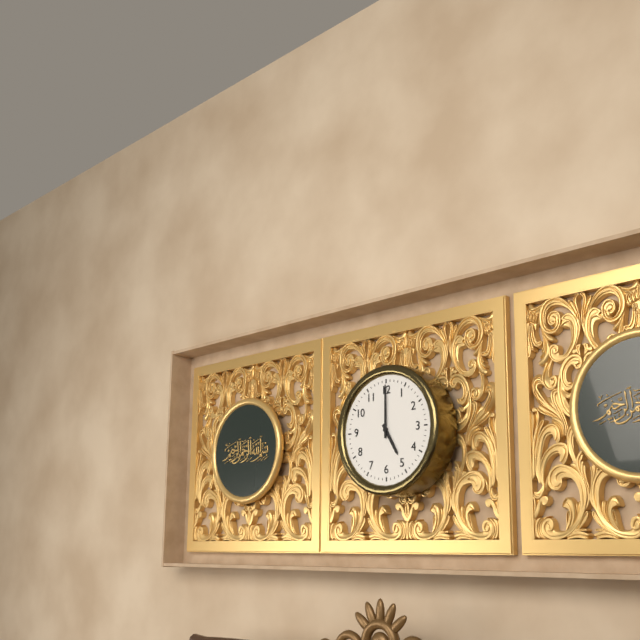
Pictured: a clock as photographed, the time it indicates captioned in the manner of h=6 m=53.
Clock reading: h=5 m=0
